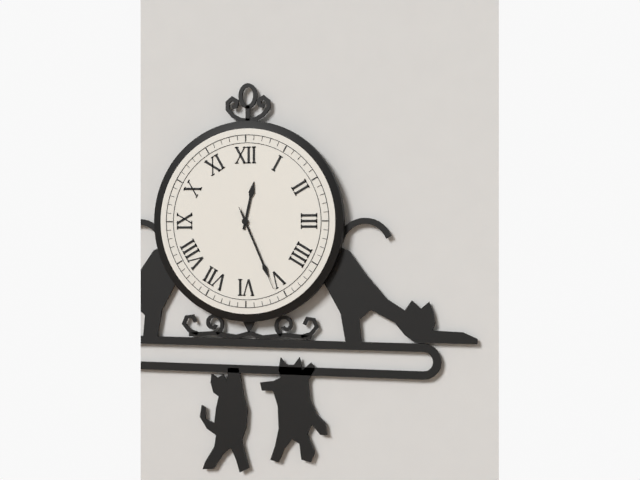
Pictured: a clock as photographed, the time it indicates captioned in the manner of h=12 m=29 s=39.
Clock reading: h=12 m=26 s=26
